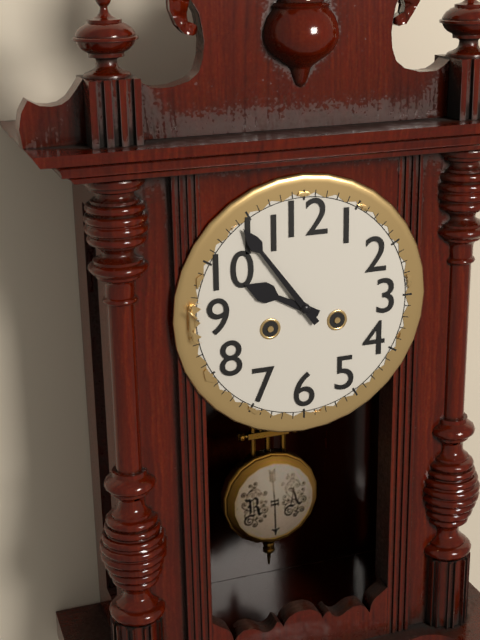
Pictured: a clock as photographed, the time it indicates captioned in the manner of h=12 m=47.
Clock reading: h=9 m=54
